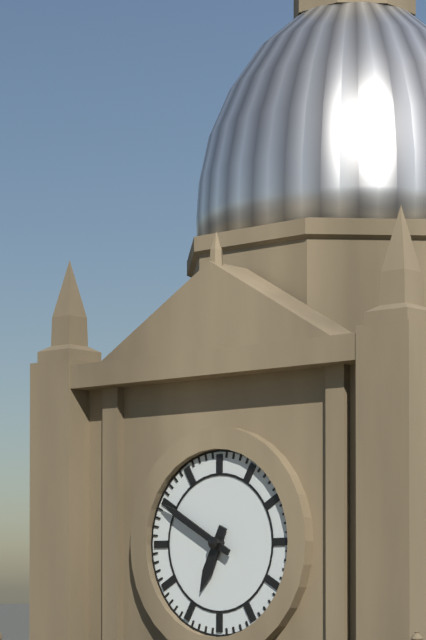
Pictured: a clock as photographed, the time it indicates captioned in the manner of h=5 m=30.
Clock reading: h=6 m=50
